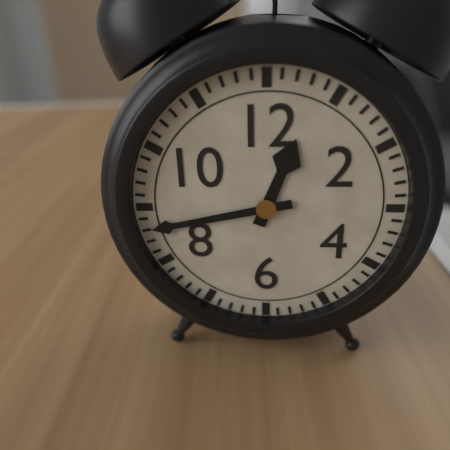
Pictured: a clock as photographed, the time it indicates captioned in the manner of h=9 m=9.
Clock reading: h=12 m=43
